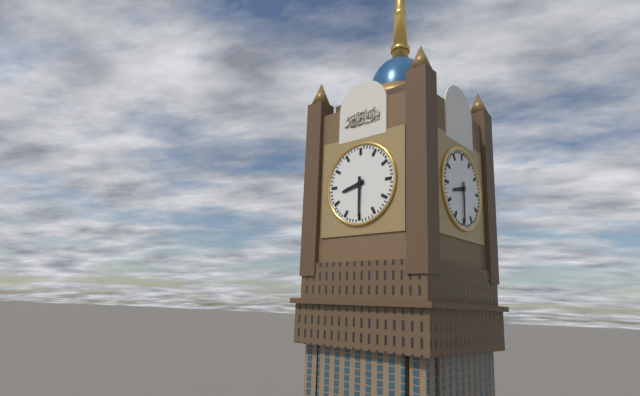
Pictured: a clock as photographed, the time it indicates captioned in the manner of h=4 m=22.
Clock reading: h=8 m=30
